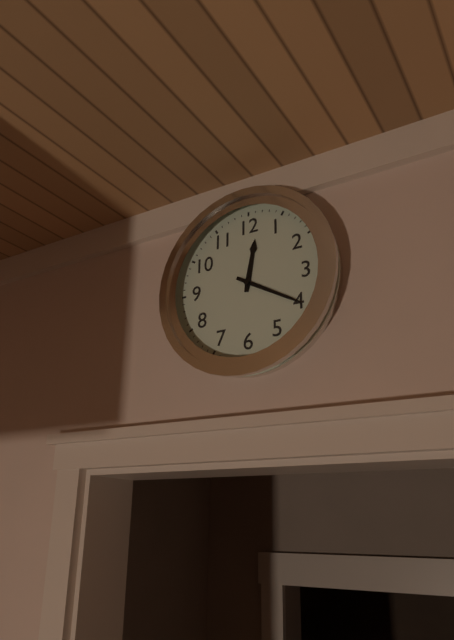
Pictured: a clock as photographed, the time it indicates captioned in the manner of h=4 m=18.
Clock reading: h=12 m=20
